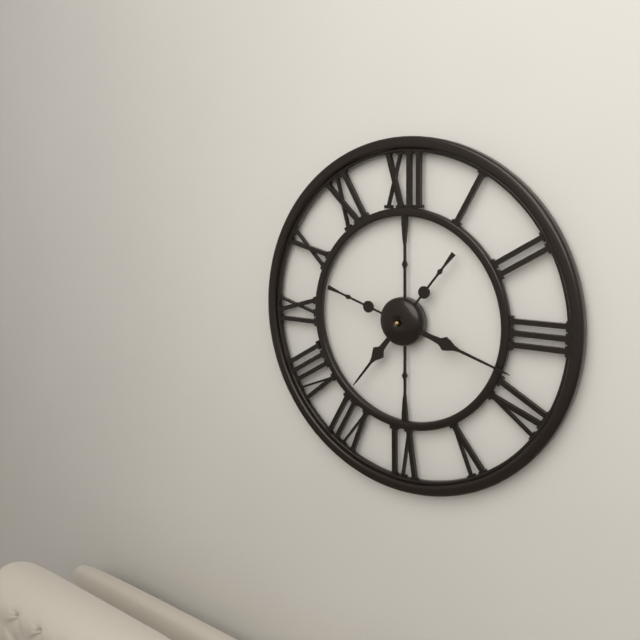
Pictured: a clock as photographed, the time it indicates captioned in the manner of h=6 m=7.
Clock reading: h=7 m=18
